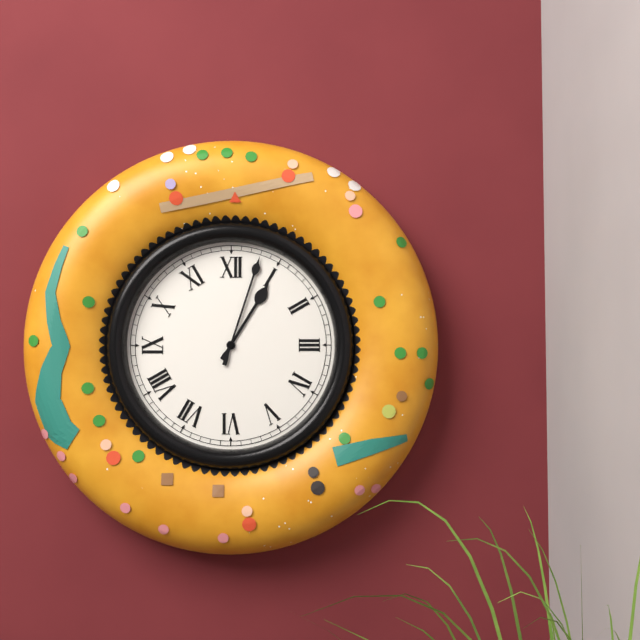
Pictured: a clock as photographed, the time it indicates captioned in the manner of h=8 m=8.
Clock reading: h=1 m=3
